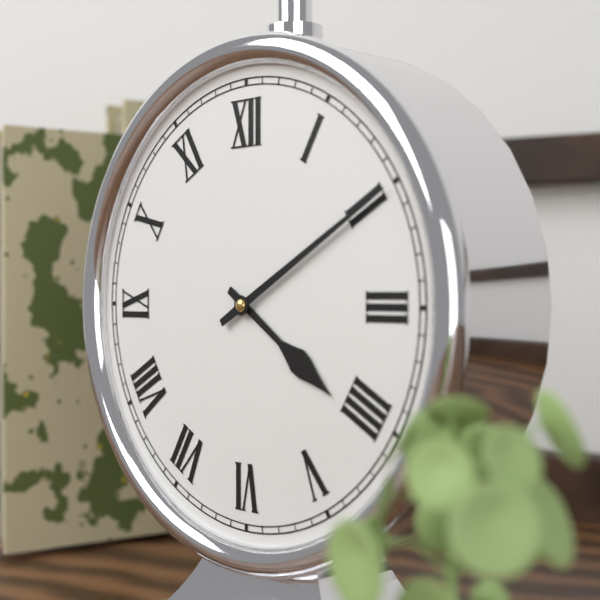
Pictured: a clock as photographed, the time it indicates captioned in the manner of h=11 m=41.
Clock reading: h=4 m=10
